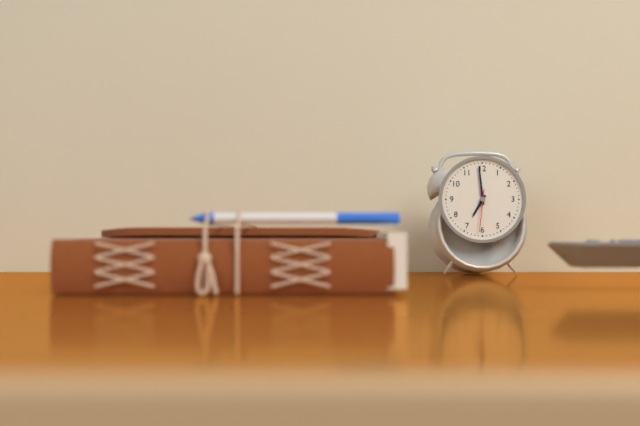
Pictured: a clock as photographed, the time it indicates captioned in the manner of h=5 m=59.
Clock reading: h=6 m=59
